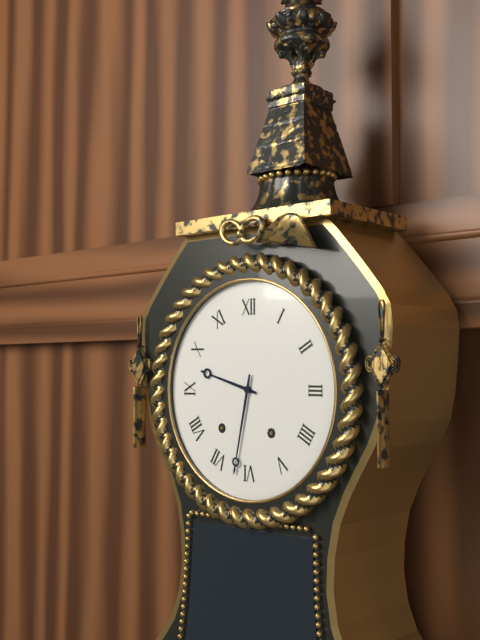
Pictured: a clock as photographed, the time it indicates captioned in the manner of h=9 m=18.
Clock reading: h=9 m=32
